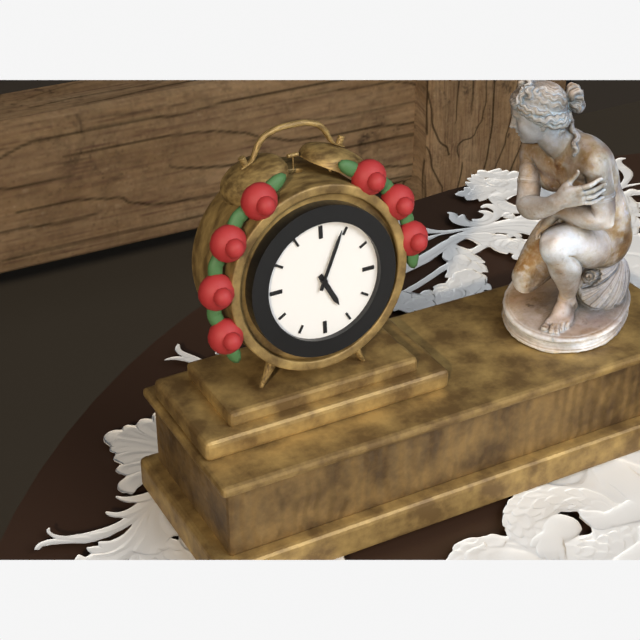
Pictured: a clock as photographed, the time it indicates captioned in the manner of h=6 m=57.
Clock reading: h=5 m=4
